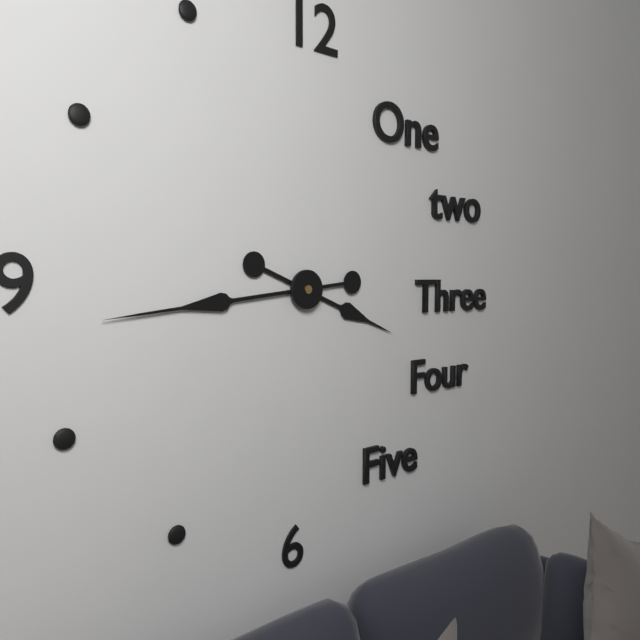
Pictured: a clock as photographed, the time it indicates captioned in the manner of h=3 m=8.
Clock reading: h=3 m=44
